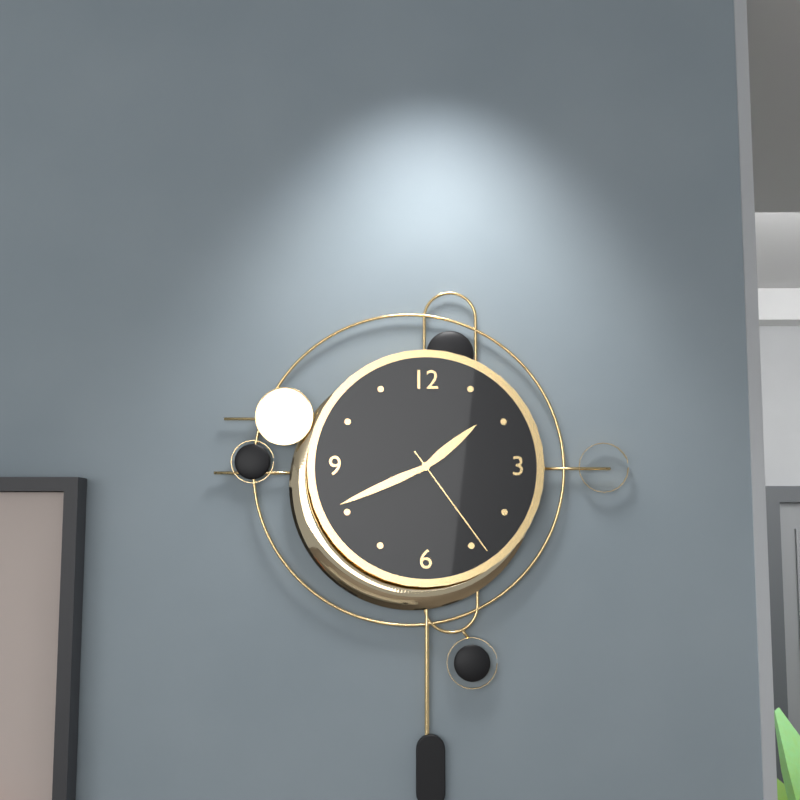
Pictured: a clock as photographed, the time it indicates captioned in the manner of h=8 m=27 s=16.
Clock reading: h=1 m=41 s=24
